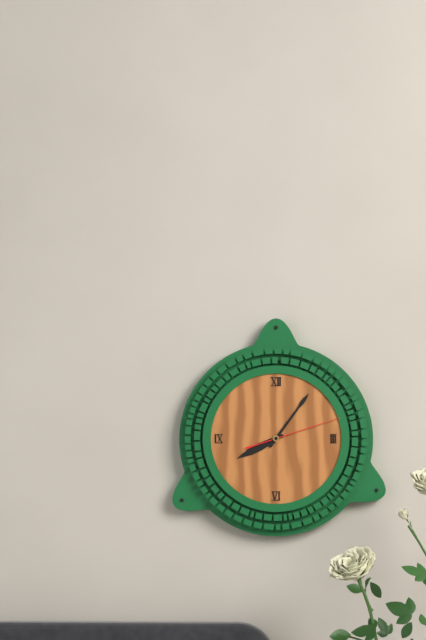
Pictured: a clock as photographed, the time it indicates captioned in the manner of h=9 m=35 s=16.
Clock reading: h=8 m=6 s=12
